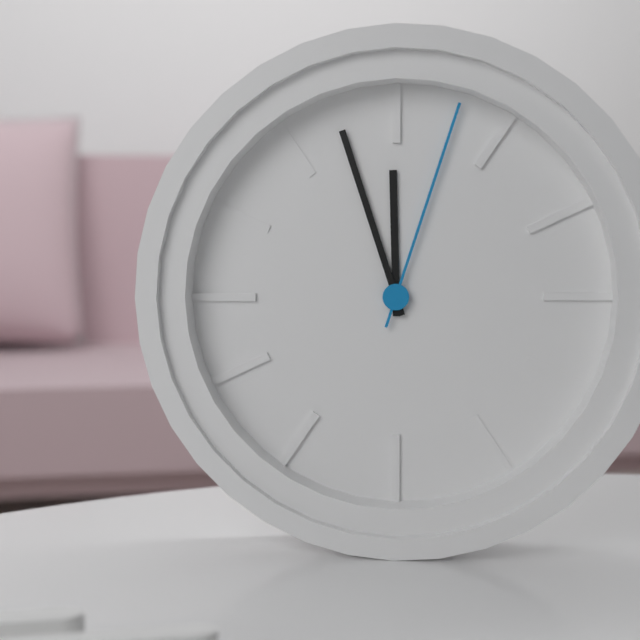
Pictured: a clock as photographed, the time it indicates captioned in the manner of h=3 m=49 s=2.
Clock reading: h=11 m=57 s=3
